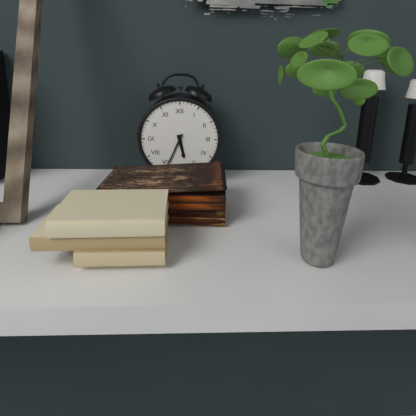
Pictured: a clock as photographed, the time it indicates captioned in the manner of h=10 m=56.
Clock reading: h=5 m=34
